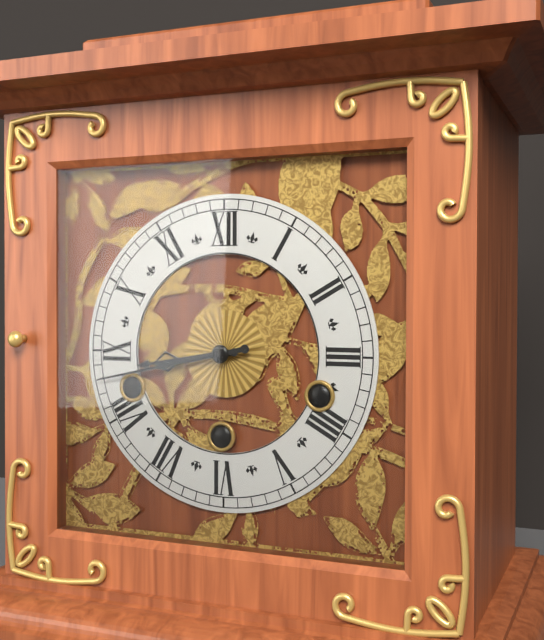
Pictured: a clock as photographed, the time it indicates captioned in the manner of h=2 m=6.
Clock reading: h=8 m=43
